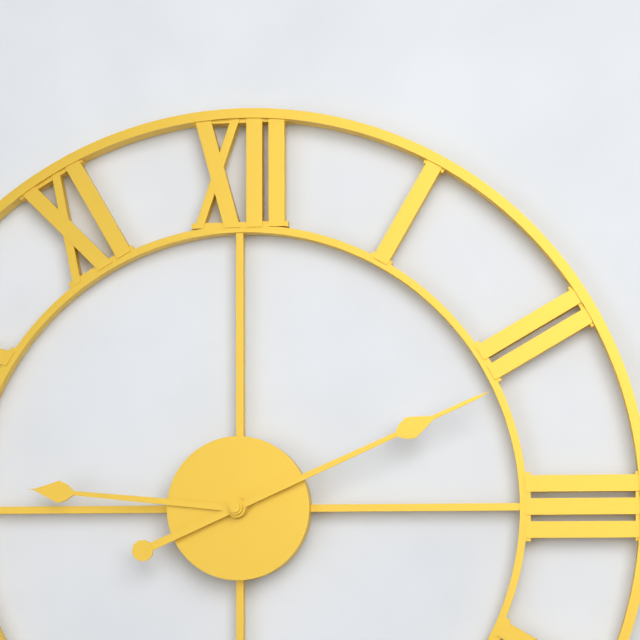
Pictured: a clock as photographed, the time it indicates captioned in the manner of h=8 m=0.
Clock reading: h=9 m=11
